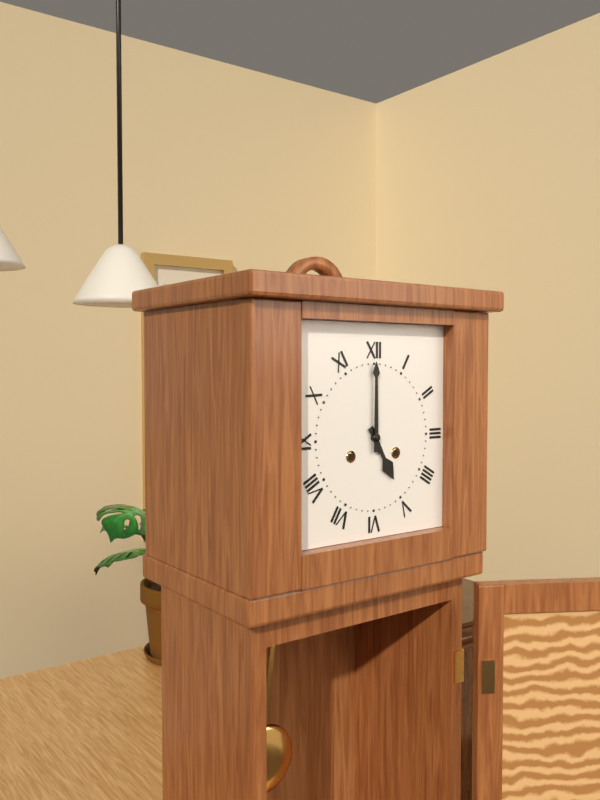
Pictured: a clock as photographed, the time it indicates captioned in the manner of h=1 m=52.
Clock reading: h=5 m=0
